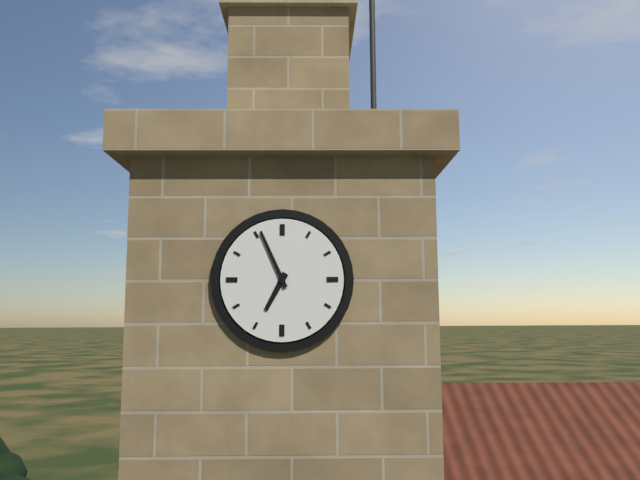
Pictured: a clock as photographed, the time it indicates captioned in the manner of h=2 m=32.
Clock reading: h=6 m=56
